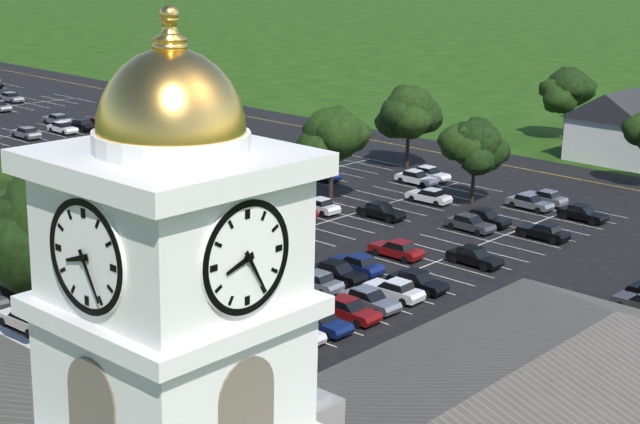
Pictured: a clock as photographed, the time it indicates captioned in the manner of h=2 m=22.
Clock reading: h=8 m=25
